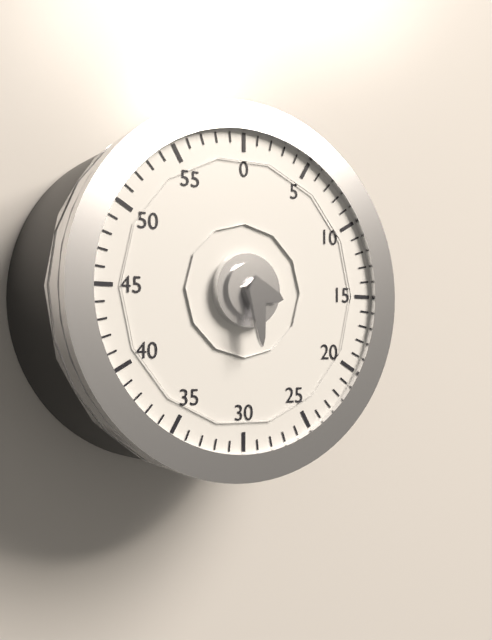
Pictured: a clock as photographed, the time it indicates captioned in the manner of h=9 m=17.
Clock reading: h=3 m=29
